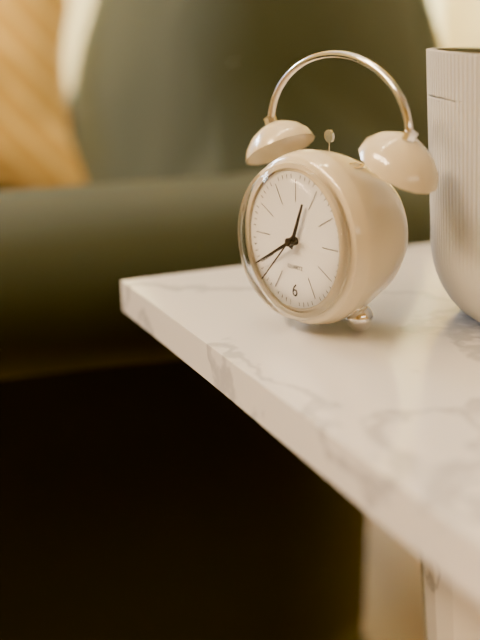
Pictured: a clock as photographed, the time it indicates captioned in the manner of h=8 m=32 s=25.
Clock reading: h=12 m=40 s=37
